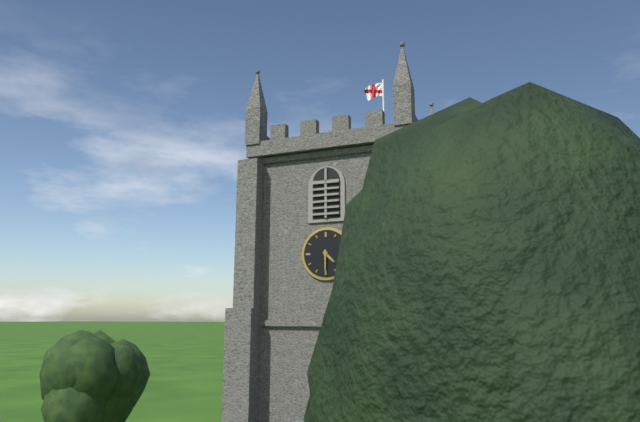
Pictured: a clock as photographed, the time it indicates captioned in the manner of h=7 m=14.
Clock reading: h=4 m=30
